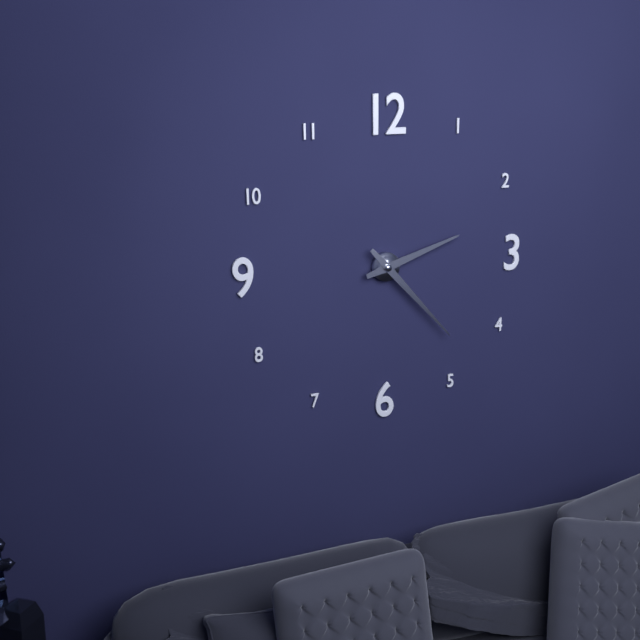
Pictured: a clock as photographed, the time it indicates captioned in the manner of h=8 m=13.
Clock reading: h=2 m=23
